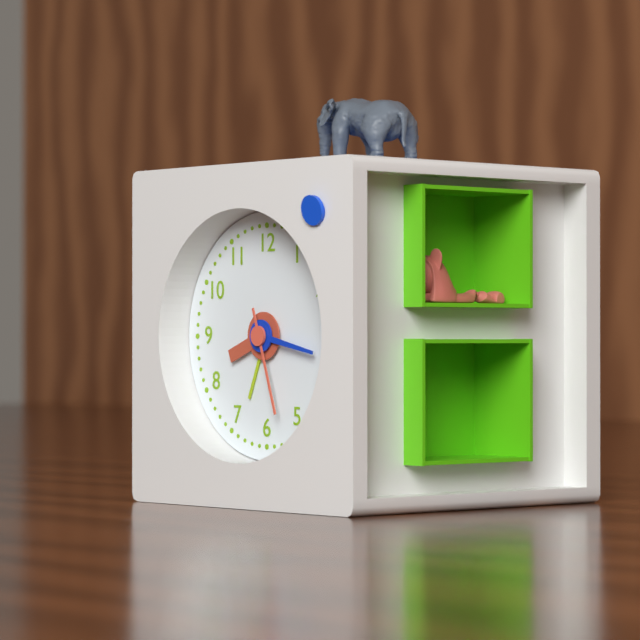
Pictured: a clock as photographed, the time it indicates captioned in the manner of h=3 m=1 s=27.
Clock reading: h=8 m=17 s=27
